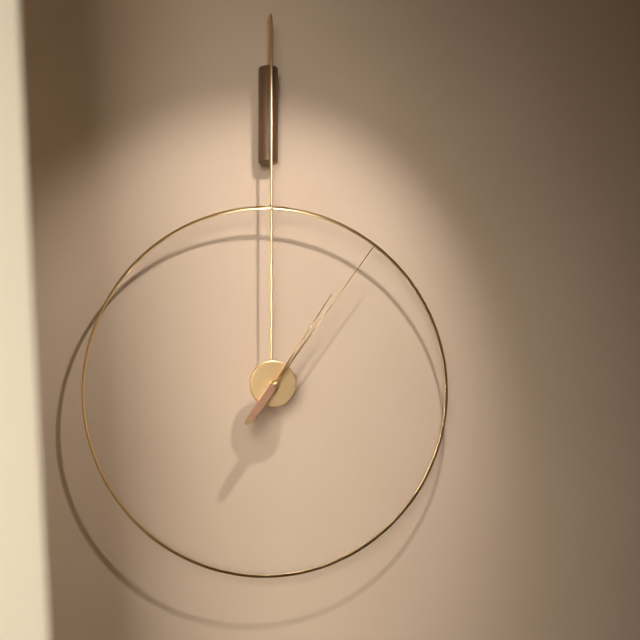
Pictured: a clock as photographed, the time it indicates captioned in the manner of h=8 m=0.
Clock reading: h=1 m=6
